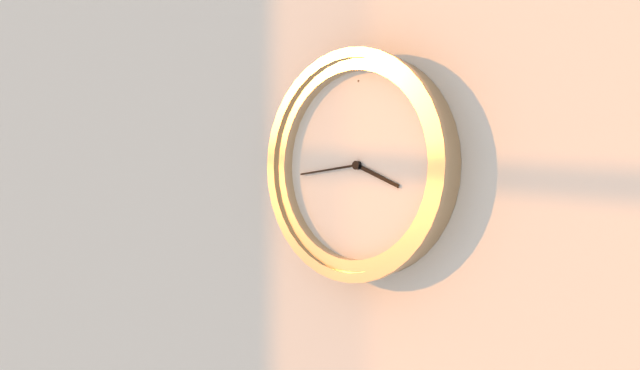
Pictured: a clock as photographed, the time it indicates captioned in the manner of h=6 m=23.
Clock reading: h=3 m=44
